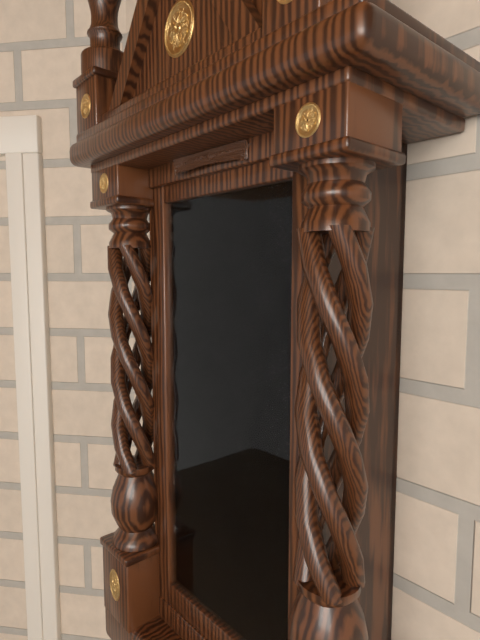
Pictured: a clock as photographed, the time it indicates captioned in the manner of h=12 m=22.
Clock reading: h=6 m=58
